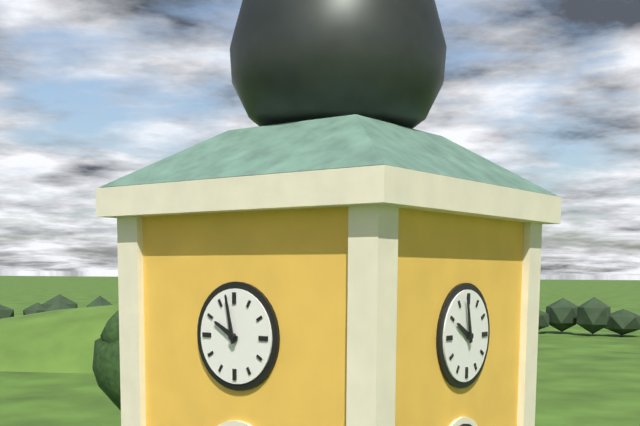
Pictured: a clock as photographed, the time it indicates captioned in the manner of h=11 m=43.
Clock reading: h=9 m=58
